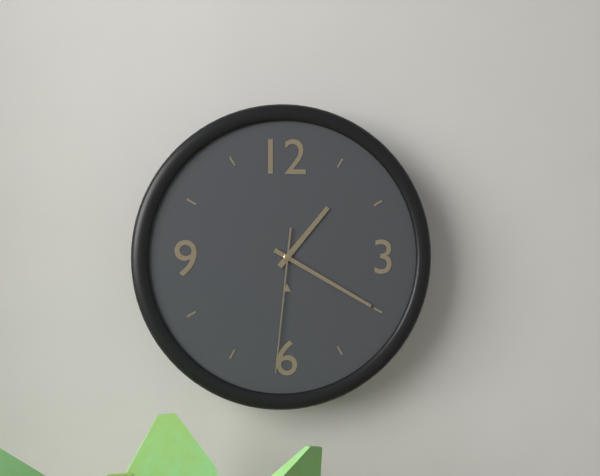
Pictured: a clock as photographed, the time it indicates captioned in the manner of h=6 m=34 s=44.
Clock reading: h=1 m=20 s=31
